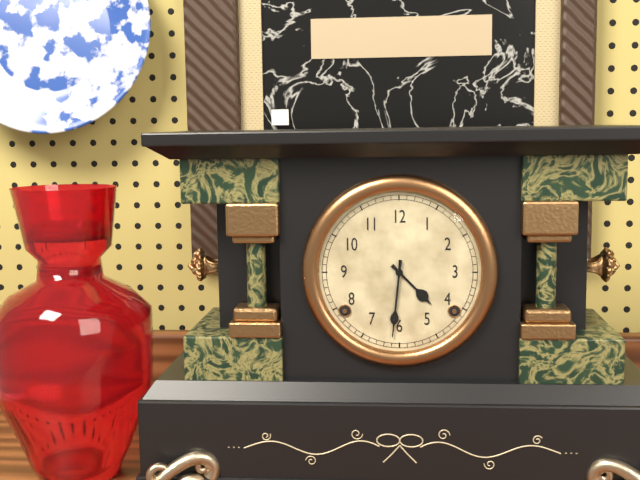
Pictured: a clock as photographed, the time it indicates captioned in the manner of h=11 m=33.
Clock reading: h=4 m=31
